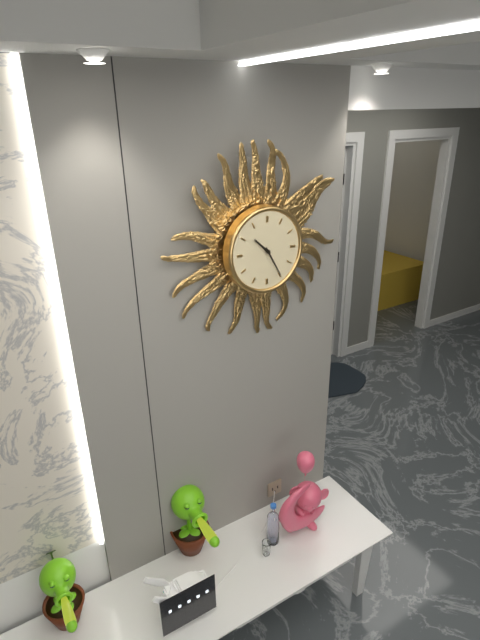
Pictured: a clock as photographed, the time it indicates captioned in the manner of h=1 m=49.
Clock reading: h=10 m=25
